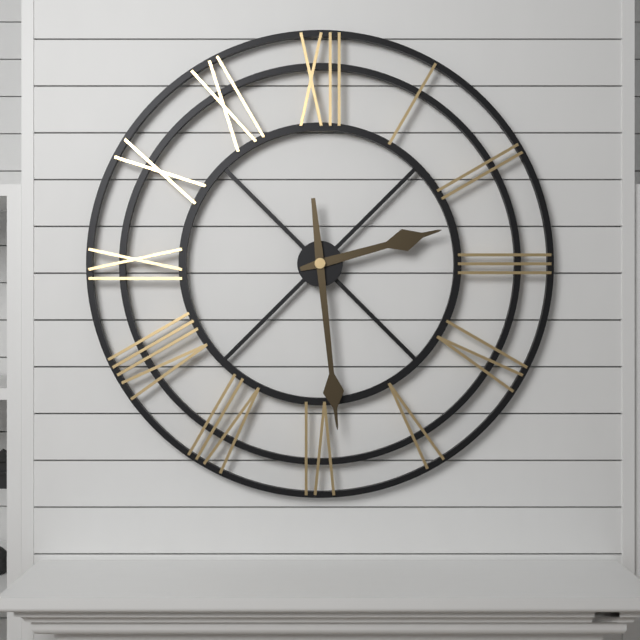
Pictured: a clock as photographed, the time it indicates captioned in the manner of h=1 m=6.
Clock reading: h=2 m=29
